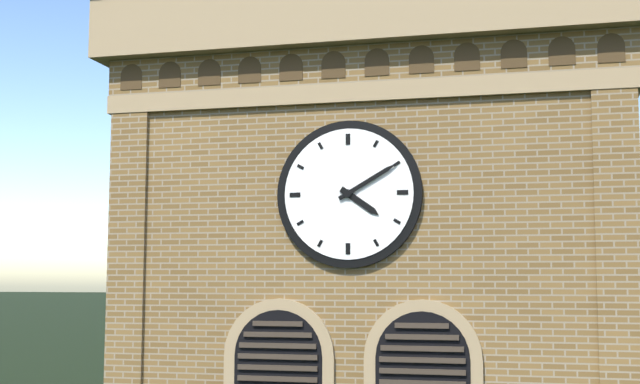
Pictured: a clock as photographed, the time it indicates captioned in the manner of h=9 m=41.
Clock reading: h=4 m=10
